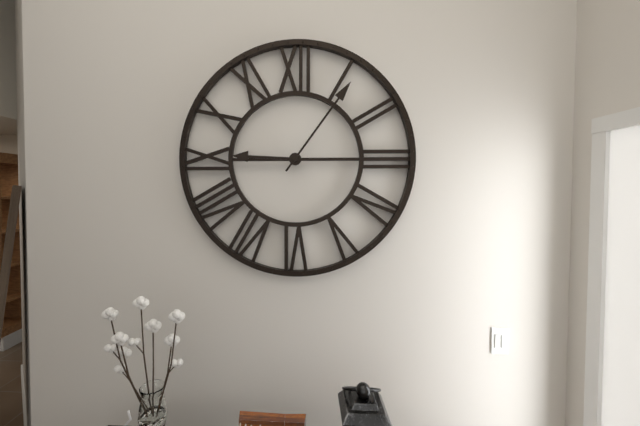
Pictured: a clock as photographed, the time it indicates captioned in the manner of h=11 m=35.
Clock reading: h=9 m=6
